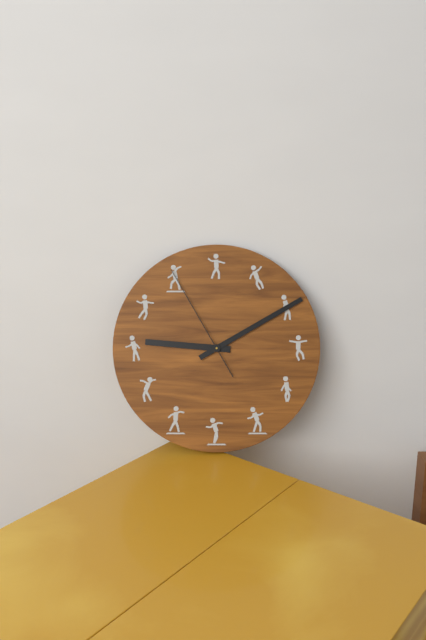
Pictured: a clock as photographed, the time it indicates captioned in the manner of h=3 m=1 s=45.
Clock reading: h=9 m=10 s=55
